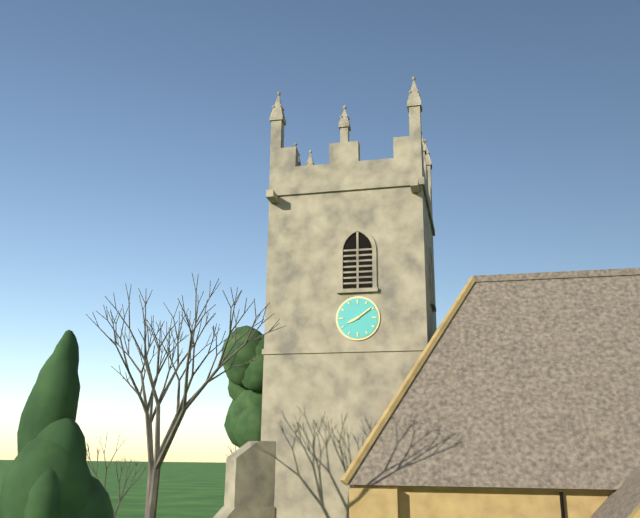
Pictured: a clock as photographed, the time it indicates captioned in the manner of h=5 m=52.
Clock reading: h=8 m=9
